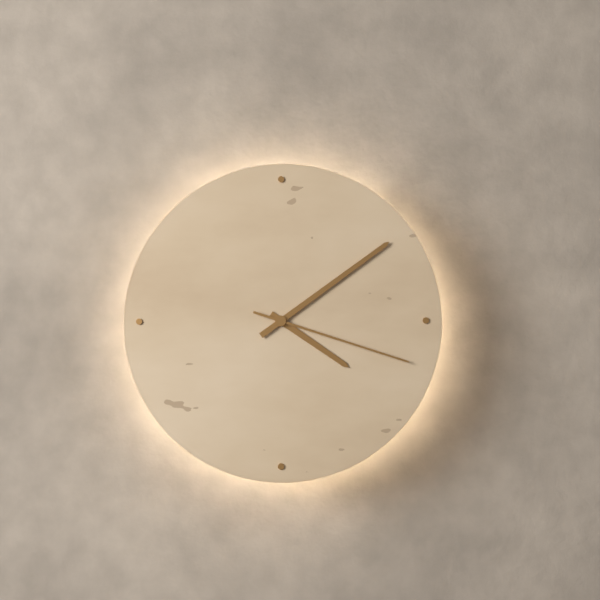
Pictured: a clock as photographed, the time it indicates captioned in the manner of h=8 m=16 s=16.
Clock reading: h=4 m=9 s=18
